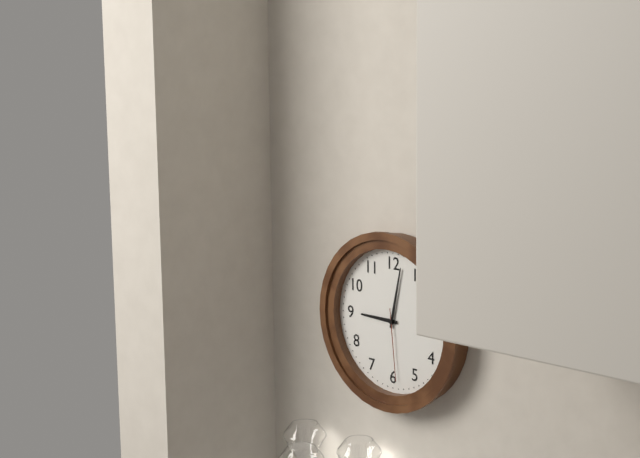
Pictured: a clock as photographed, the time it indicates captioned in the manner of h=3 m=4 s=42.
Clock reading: h=9 m=2 s=29
